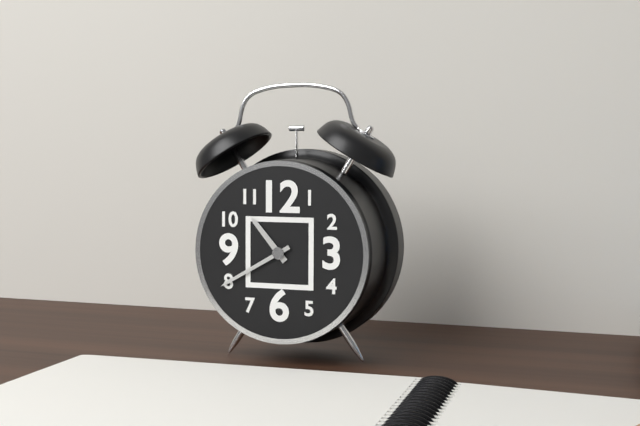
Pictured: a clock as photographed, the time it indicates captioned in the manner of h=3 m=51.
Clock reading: h=10 m=40
